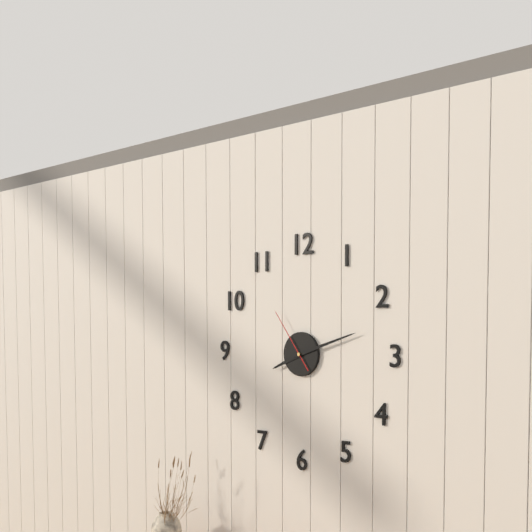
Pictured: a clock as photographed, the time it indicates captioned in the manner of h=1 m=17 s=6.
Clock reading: h=8 m=12 s=54
